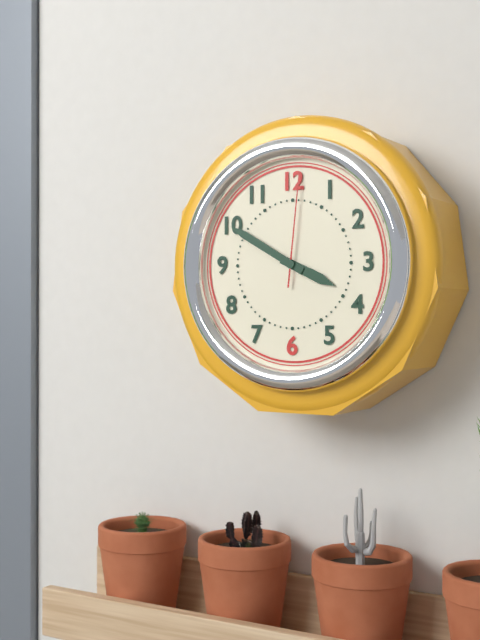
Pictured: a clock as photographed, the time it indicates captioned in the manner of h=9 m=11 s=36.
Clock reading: h=3 m=50 s=1
